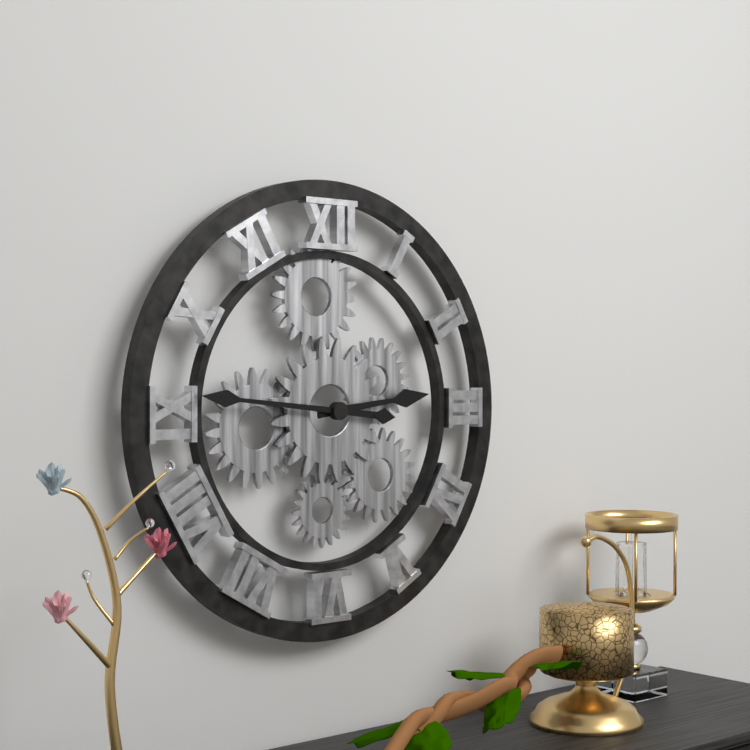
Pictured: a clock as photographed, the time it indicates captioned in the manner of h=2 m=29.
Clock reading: h=2 m=46
